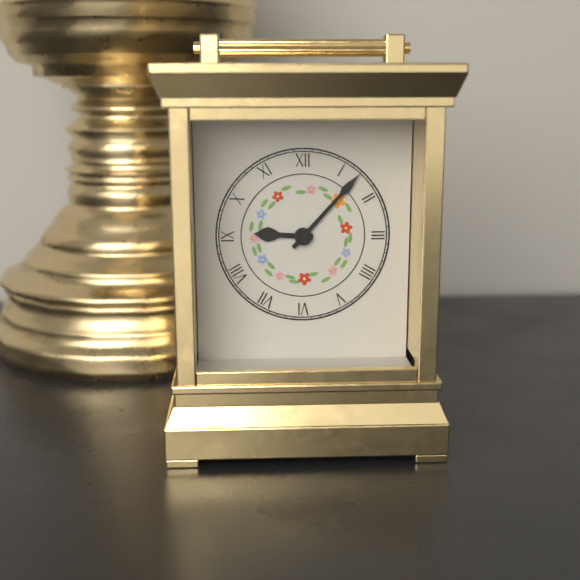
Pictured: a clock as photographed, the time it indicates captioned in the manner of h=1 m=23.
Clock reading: h=9 m=7
